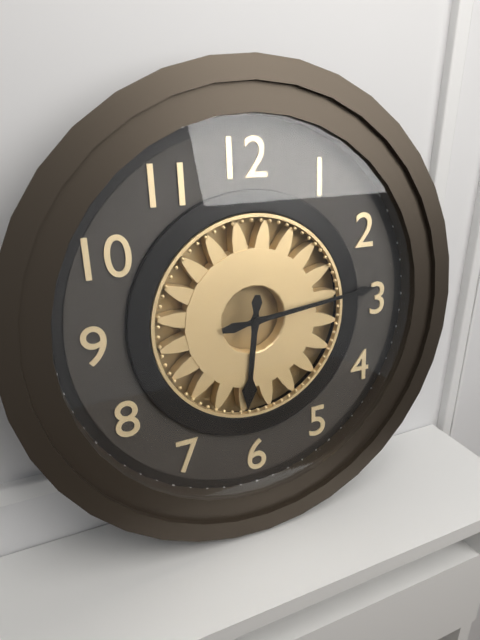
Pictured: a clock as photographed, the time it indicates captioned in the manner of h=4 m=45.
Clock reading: h=6 m=14
